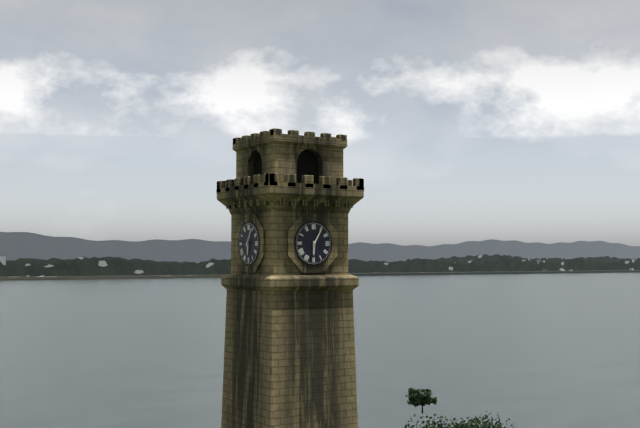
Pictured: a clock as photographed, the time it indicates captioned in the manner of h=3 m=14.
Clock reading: h=6 m=5
